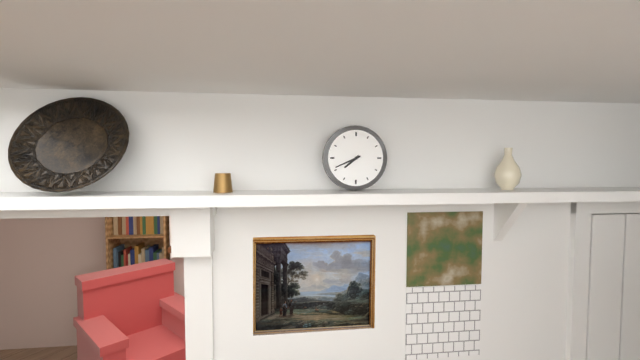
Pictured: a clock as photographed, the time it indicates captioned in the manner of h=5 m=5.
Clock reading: h=7 m=41
